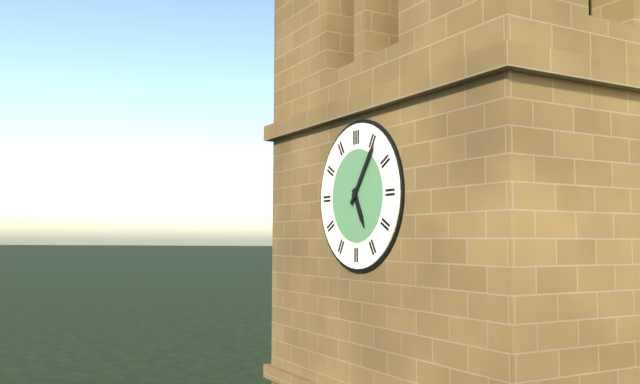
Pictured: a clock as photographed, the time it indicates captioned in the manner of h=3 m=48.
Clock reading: h=5 m=6
